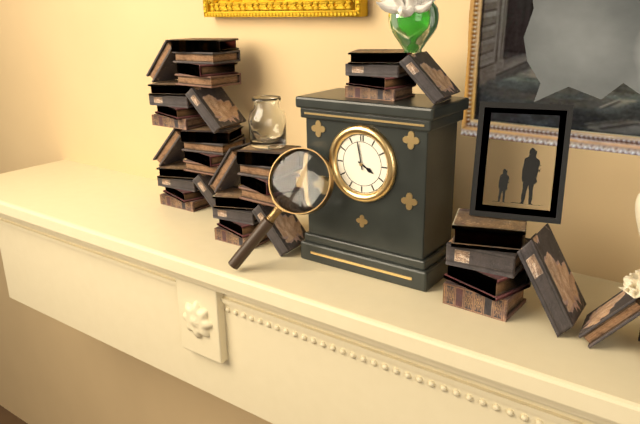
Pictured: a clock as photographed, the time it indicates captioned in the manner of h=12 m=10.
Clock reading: h=3 m=58
